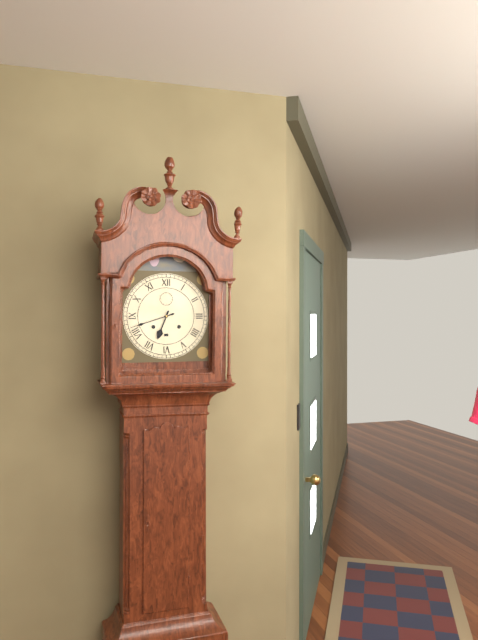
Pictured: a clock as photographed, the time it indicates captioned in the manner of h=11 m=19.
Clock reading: h=6 m=42
